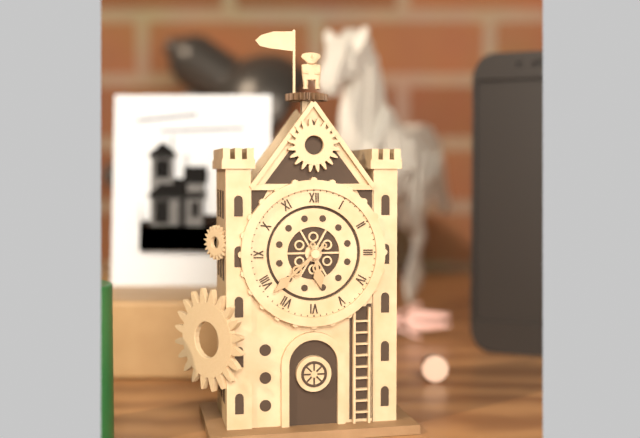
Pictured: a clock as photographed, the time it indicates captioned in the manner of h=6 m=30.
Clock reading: h=5 m=38
